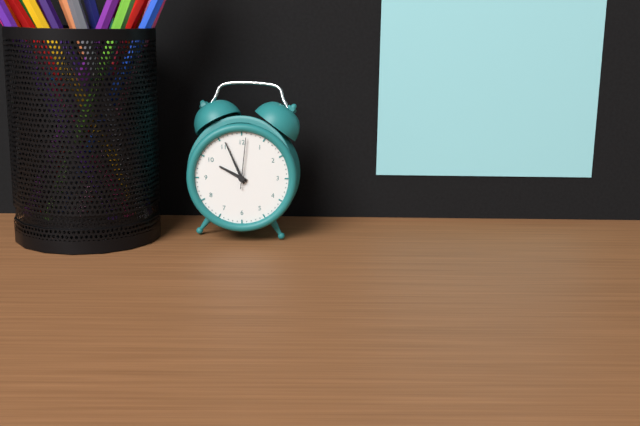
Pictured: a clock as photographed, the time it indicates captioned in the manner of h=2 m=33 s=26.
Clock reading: h=9 m=56 s=1
